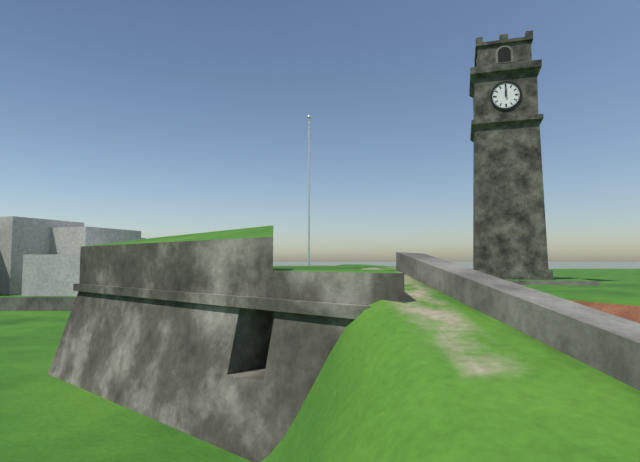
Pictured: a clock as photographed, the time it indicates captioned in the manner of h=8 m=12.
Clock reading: h=12 m=0
